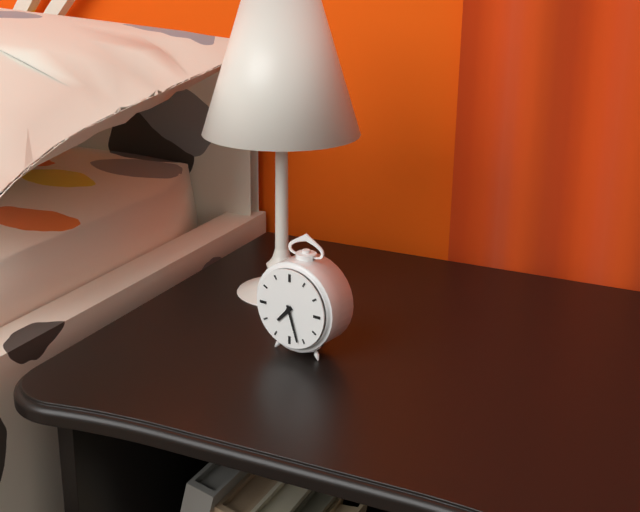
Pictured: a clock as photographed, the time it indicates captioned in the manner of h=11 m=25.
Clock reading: h=7 m=27
